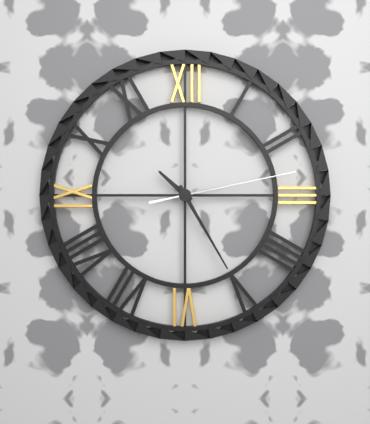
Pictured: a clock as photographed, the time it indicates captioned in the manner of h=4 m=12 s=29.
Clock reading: h=10 m=25 s=13
